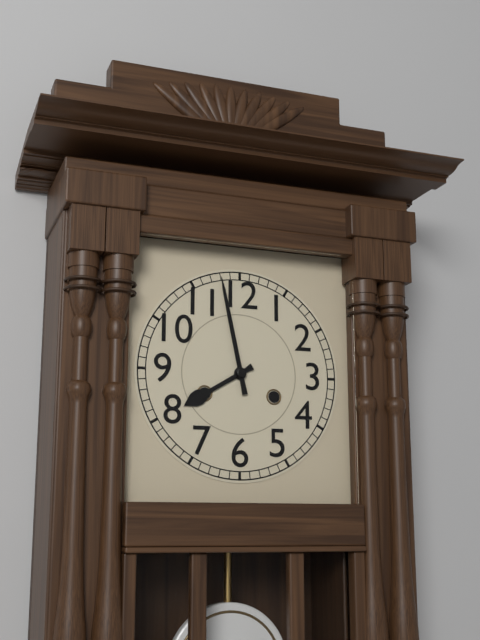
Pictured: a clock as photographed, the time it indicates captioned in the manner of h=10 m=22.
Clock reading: h=7 m=58
